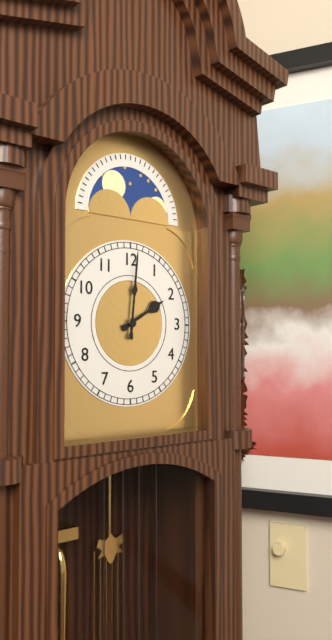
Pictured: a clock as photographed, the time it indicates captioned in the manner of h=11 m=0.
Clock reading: h=2 m=1
